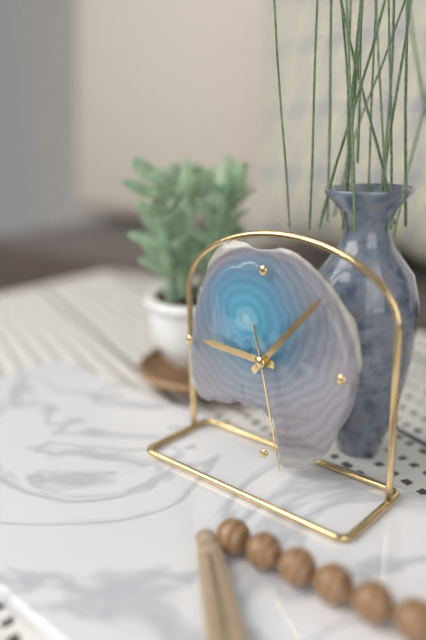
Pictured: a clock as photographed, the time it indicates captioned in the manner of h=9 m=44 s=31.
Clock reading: h=9 m=7 s=28
